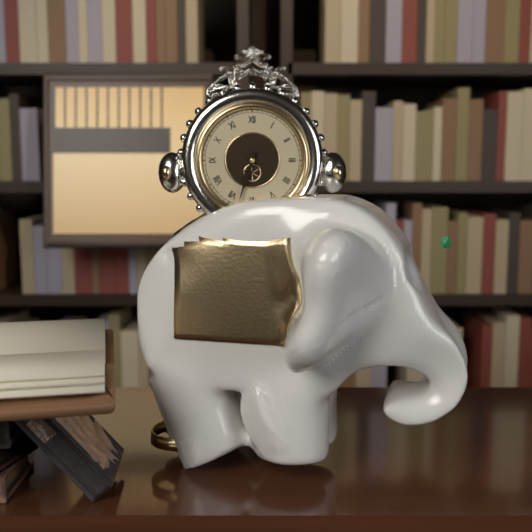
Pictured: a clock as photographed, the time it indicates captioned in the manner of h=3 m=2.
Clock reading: h=6 m=33
